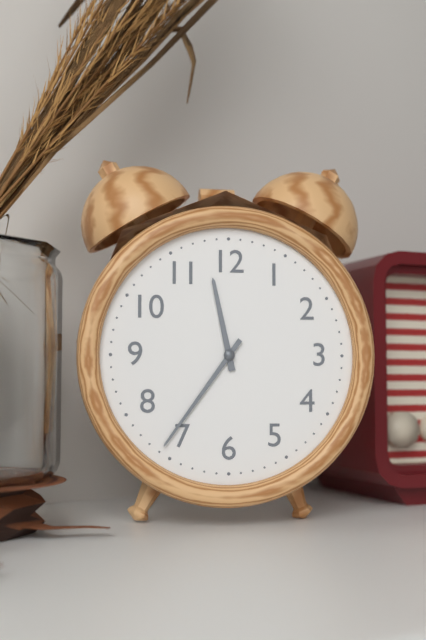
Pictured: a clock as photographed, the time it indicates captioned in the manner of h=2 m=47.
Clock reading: h=11 m=36
